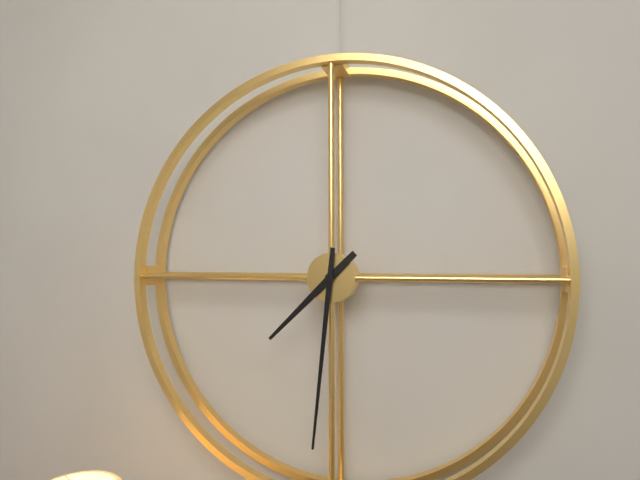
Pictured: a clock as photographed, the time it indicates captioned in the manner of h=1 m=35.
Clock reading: h=7 m=31
